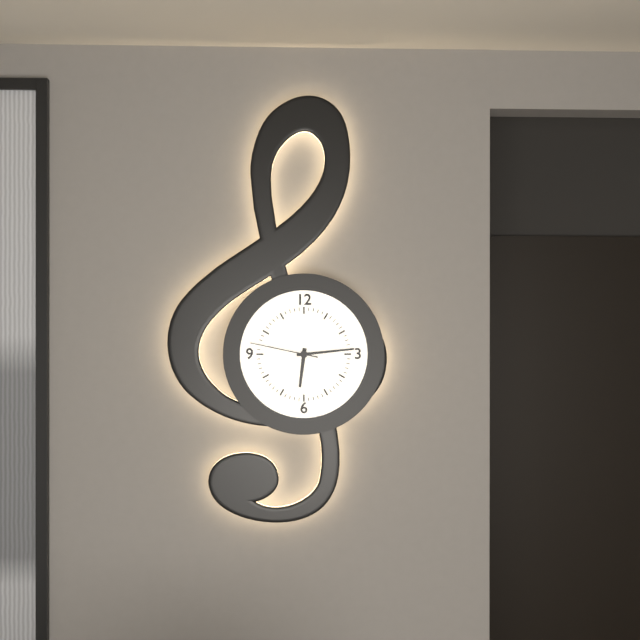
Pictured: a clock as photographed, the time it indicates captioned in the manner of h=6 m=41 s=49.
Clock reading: h=6 m=14 s=47
